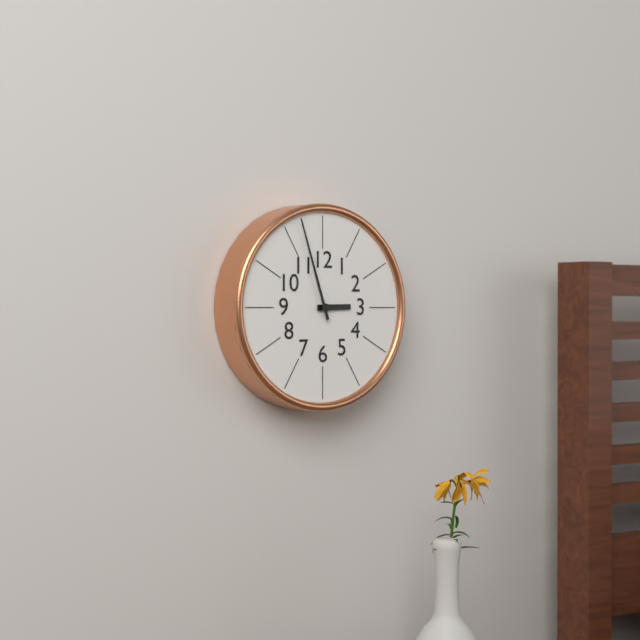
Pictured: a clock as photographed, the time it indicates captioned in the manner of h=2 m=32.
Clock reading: h=2 m=57
